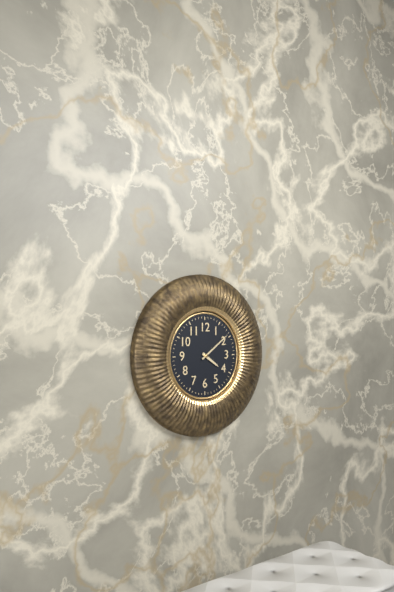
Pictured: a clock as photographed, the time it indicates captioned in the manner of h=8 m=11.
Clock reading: h=4 m=9
